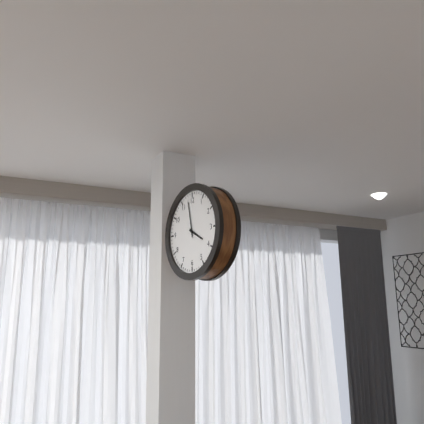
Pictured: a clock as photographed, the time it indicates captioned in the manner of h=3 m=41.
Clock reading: h=3 m=58
